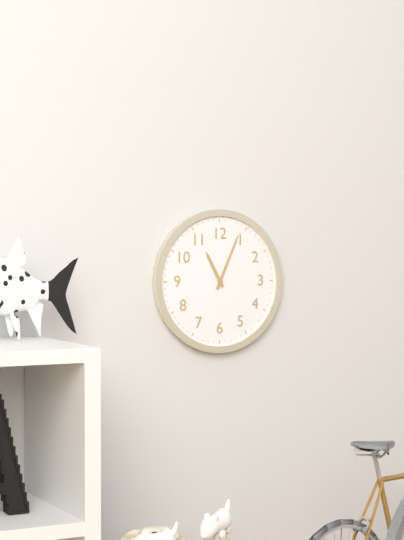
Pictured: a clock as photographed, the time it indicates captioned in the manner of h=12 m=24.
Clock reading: h=11 m=4
